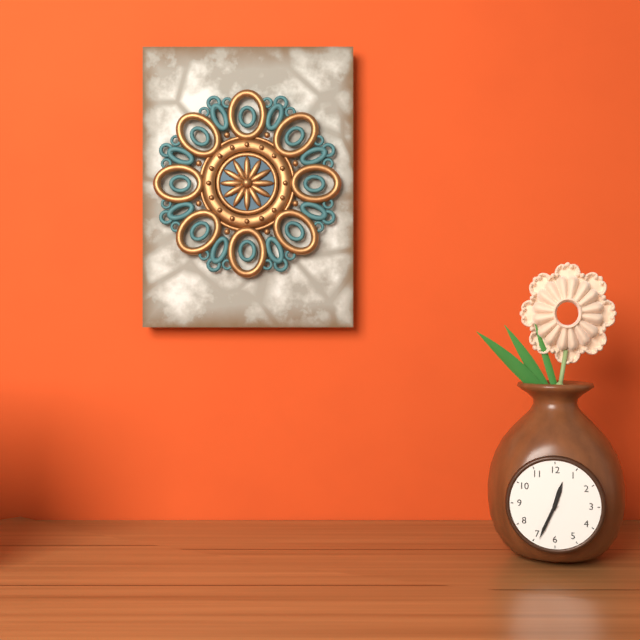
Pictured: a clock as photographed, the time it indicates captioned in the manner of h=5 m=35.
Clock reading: h=12 m=34
